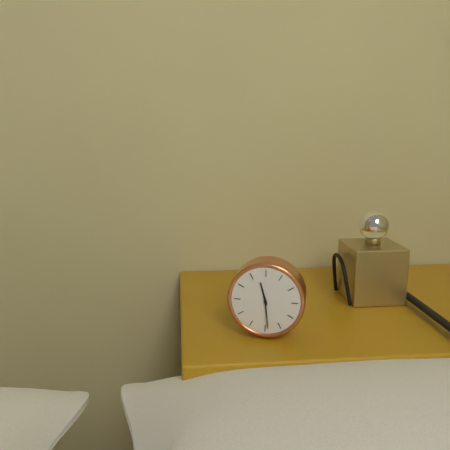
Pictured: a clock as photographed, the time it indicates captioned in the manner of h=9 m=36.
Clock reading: h=11 m=29
